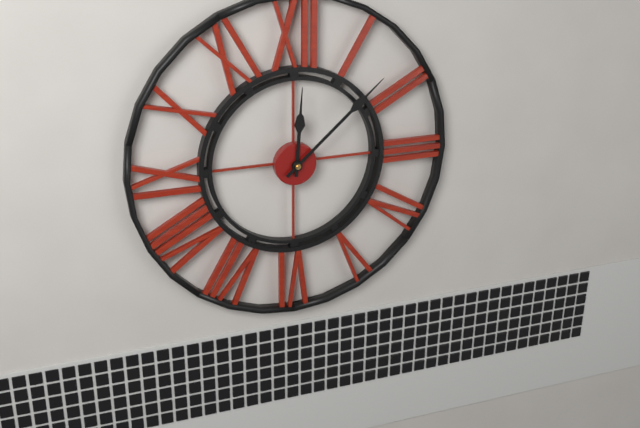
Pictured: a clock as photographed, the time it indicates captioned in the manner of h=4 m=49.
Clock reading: h=12 m=8
